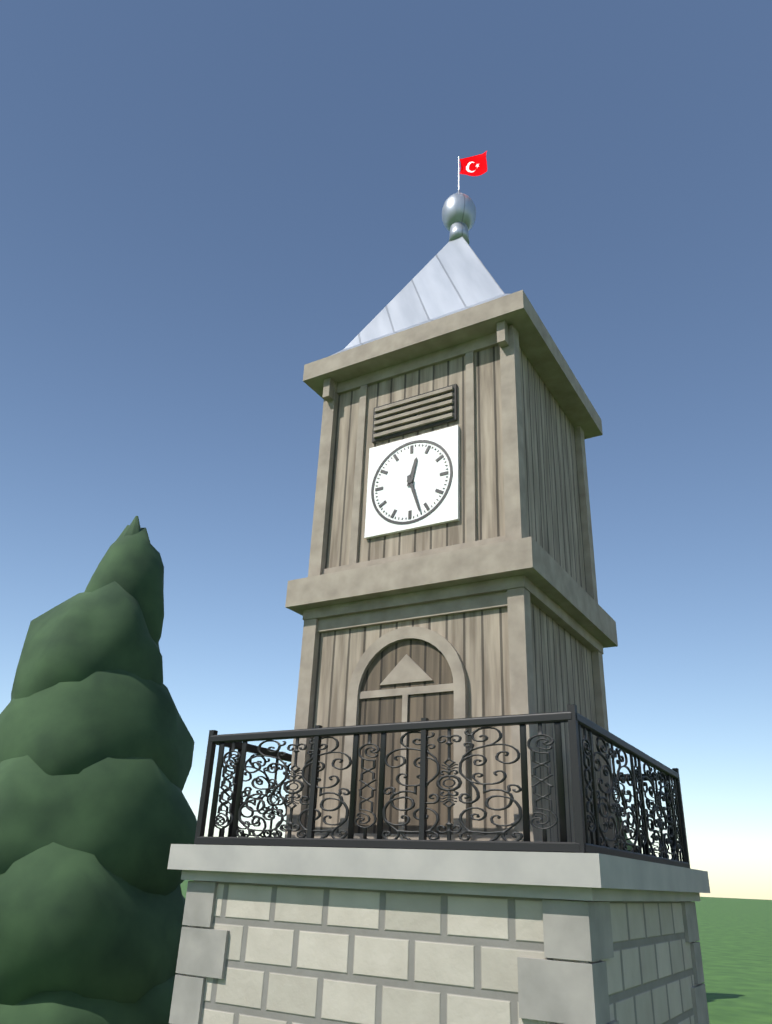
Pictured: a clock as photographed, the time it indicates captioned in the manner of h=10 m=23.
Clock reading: h=12 m=27
